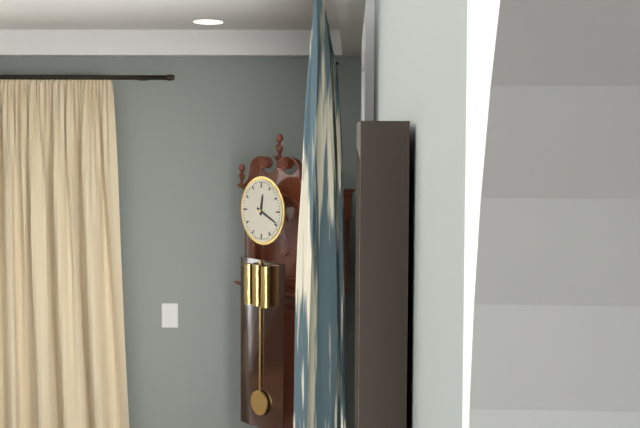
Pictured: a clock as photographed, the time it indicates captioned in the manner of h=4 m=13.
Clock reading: h=12 m=19
